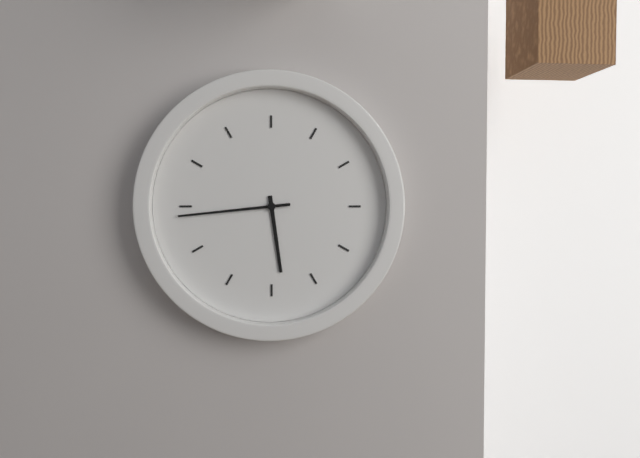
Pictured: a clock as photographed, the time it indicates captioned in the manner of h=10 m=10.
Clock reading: h=5 m=44
